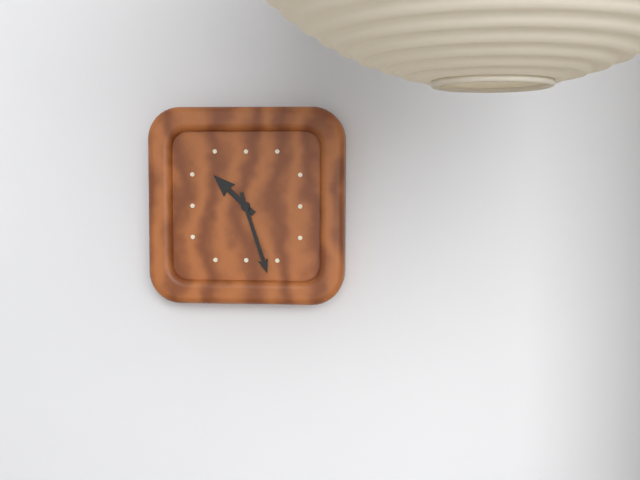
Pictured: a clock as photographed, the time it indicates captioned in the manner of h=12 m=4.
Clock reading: h=10 m=27
